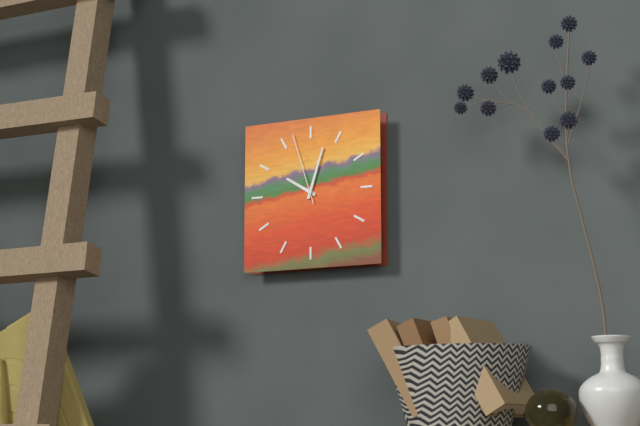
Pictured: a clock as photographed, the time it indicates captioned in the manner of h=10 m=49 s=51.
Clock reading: h=10 m=3 s=57
